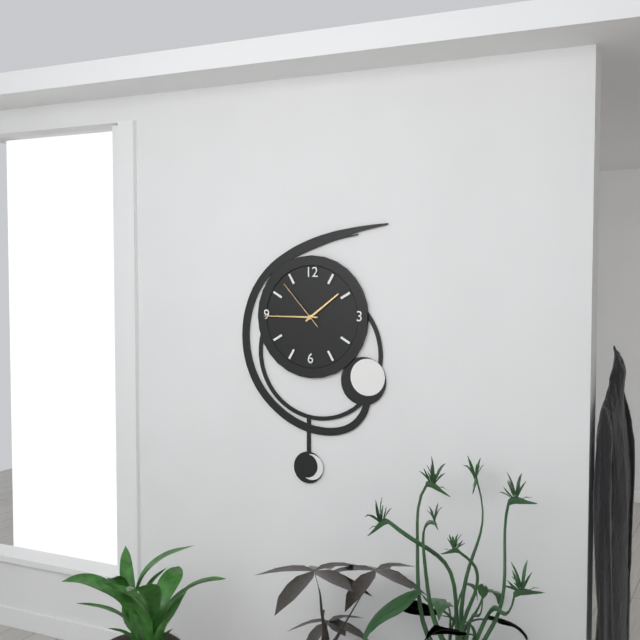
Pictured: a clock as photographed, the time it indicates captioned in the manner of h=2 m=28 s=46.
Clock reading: h=1 m=45 s=53
